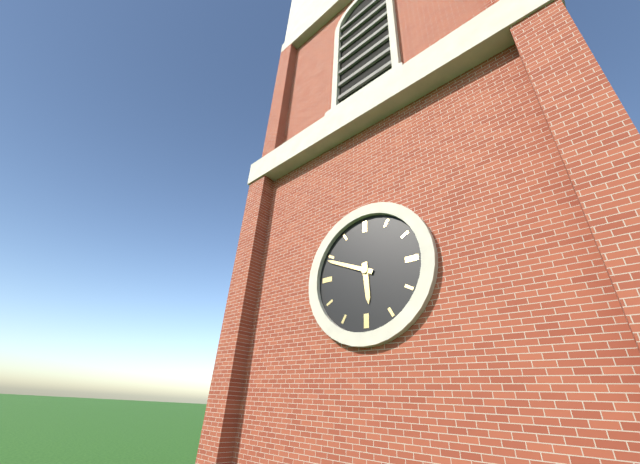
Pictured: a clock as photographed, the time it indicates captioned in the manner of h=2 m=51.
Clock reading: h=5 m=49
